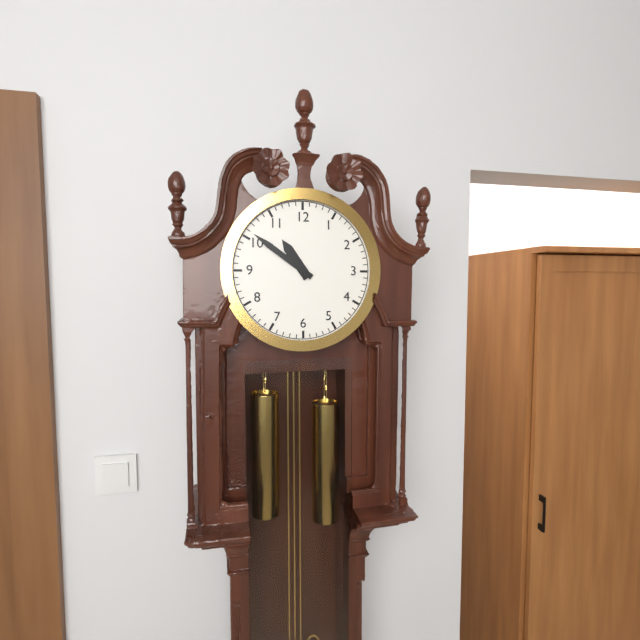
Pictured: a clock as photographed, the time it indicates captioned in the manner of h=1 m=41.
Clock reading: h=10 m=51
